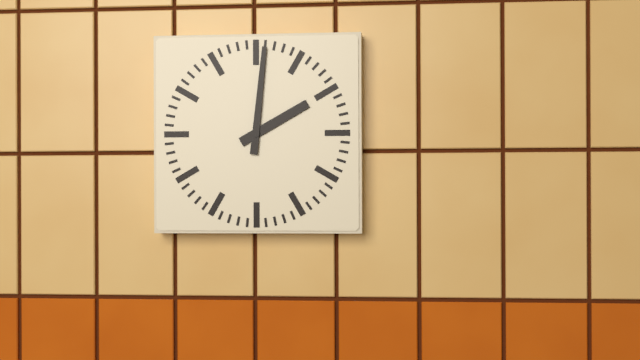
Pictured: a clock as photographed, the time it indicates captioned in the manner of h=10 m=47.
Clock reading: h=2 m=1
